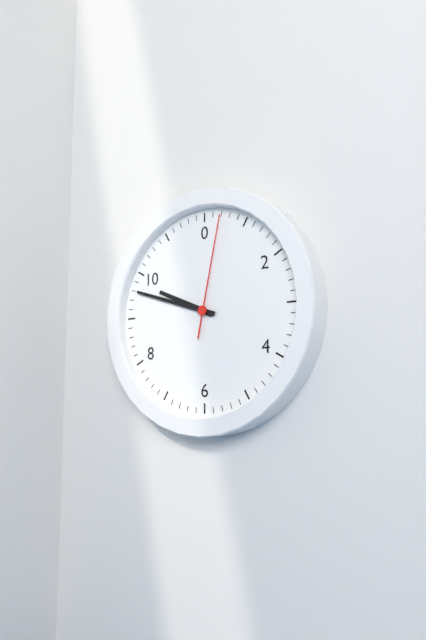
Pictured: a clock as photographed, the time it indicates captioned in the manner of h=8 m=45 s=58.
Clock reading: h=9 m=48 s=2
